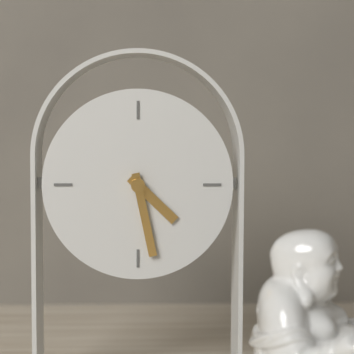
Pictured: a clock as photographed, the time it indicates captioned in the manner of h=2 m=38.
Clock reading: h=4 m=28
